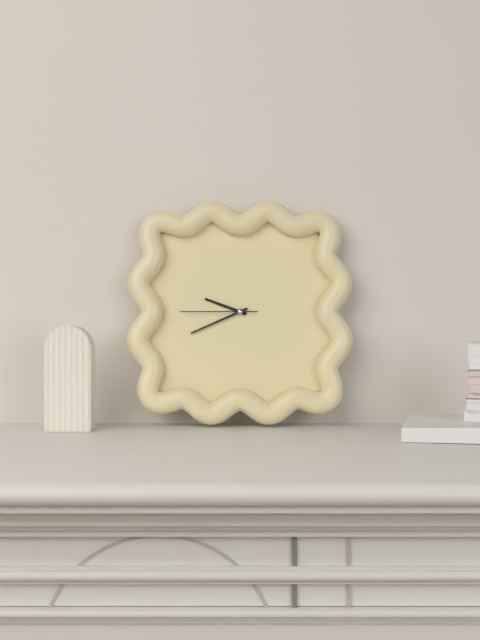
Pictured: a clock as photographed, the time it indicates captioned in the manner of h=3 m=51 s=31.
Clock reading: h=9 m=41 s=45
